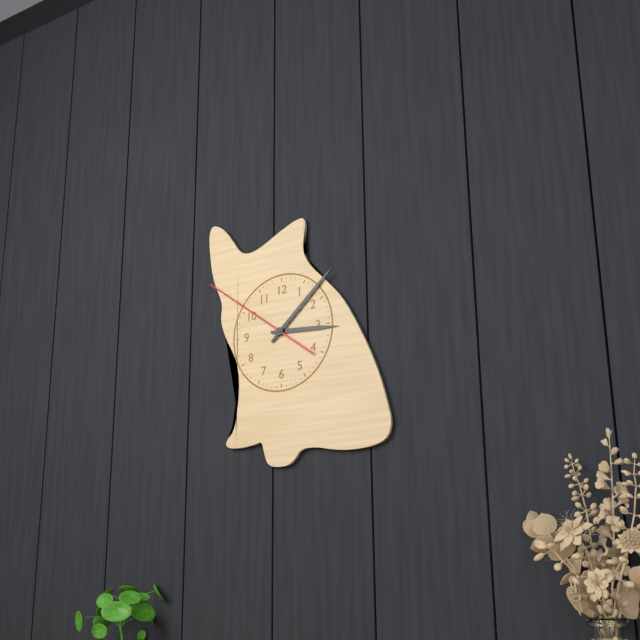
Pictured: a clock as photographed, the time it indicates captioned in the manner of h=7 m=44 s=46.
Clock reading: h=3 m=8 s=51
